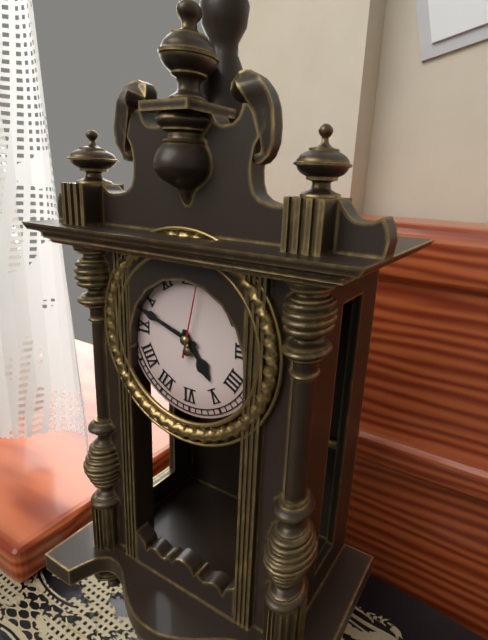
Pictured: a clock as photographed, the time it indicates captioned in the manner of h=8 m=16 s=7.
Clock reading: h=4 m=48 s=2
